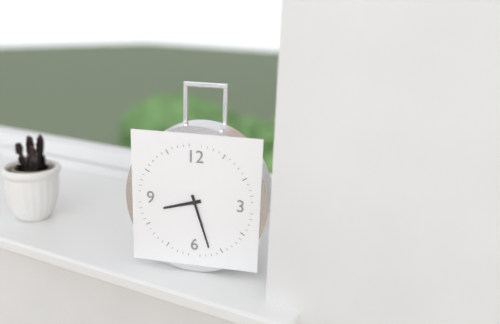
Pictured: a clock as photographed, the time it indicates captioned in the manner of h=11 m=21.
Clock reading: h=8 m=27
